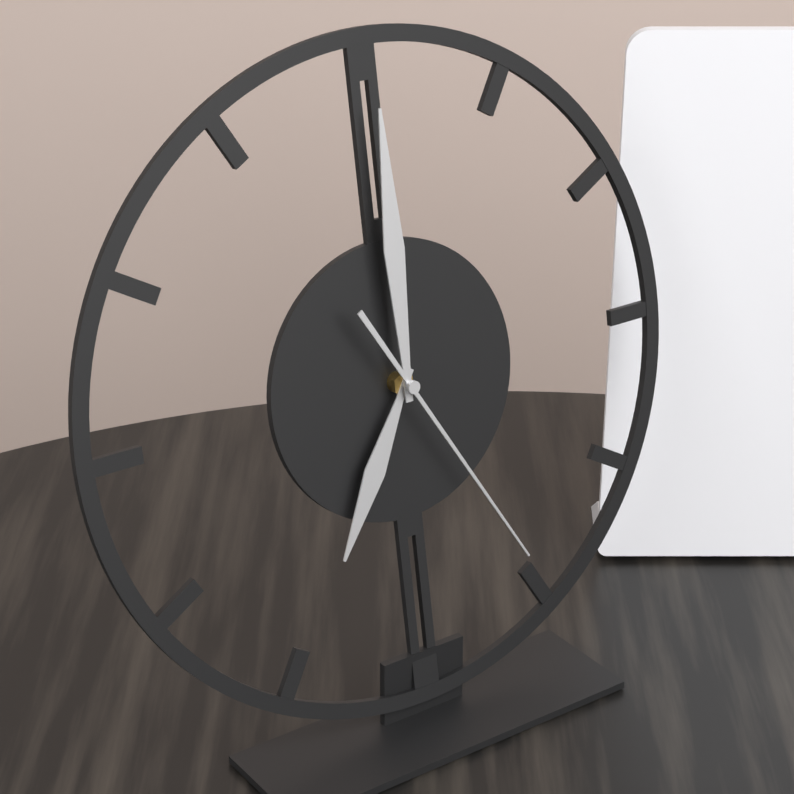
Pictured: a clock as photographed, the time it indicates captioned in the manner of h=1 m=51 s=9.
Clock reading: h=7 m=0 s=25
